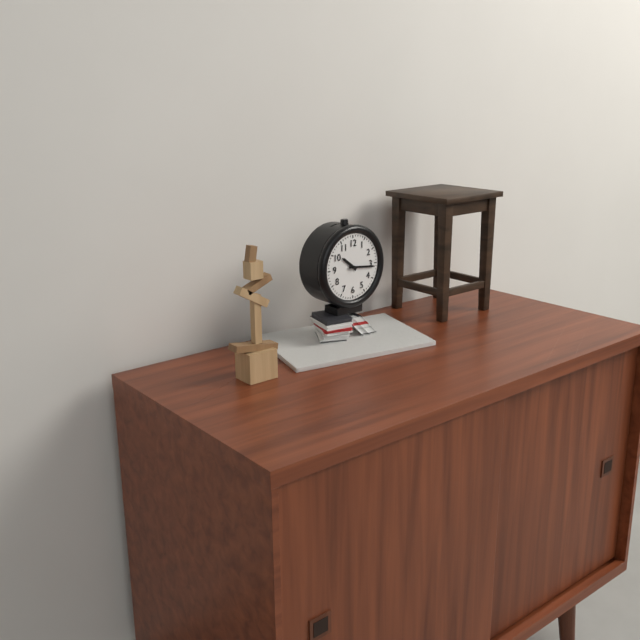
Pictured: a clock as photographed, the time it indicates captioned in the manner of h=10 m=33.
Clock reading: h=10 m=16
